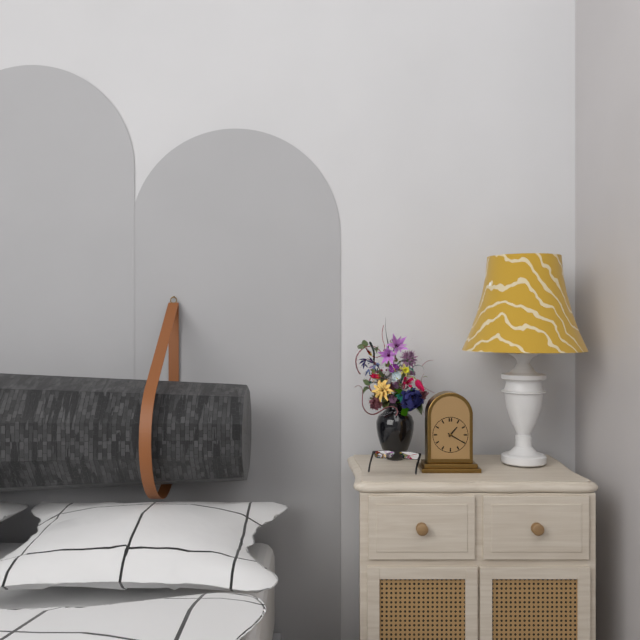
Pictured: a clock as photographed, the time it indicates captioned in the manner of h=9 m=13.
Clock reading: h=1 m=20
